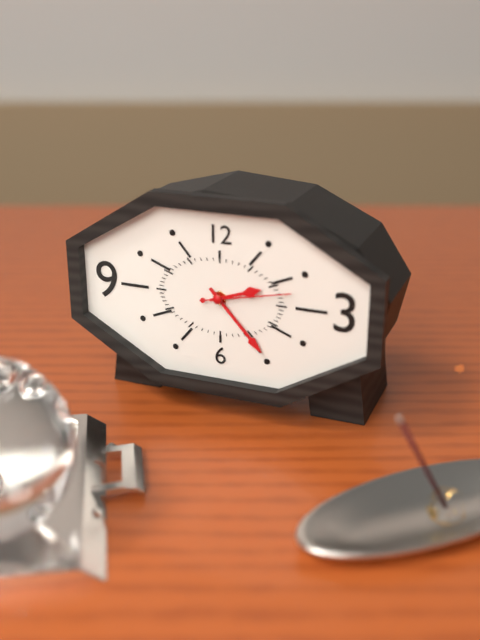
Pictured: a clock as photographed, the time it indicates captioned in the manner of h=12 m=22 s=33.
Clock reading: h=2 m=23 s=13
